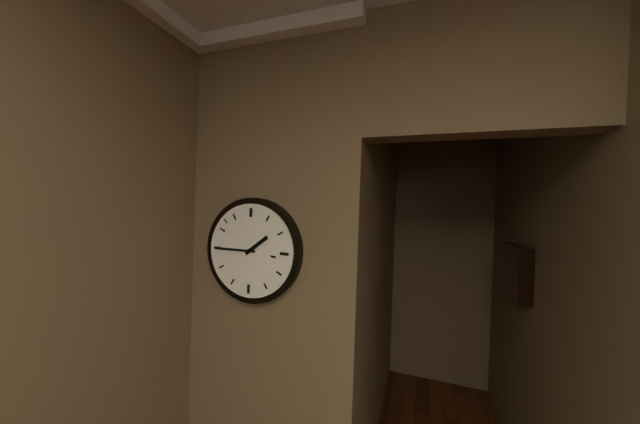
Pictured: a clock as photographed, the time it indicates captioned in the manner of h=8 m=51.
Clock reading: h=1 m=45
